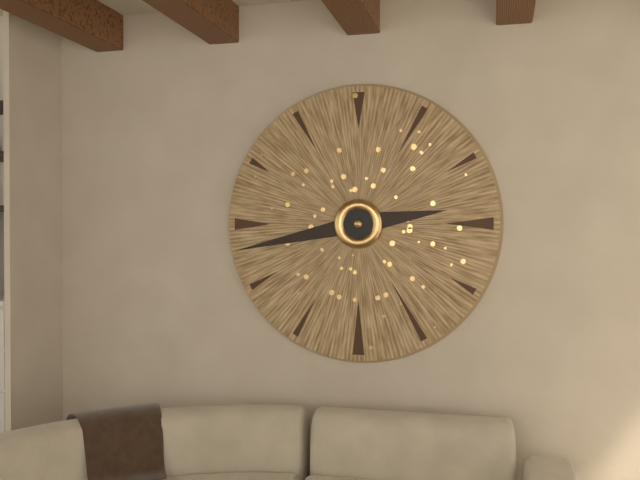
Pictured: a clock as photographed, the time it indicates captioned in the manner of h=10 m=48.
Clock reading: h=2 m=43
